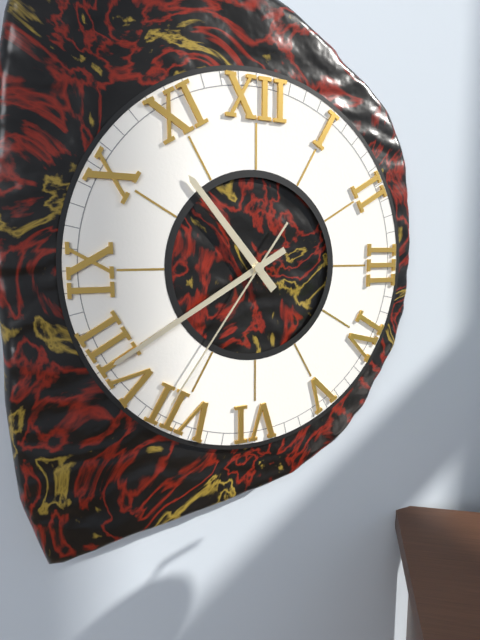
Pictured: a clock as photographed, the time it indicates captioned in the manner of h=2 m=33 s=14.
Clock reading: h=10 m=40 s=36
